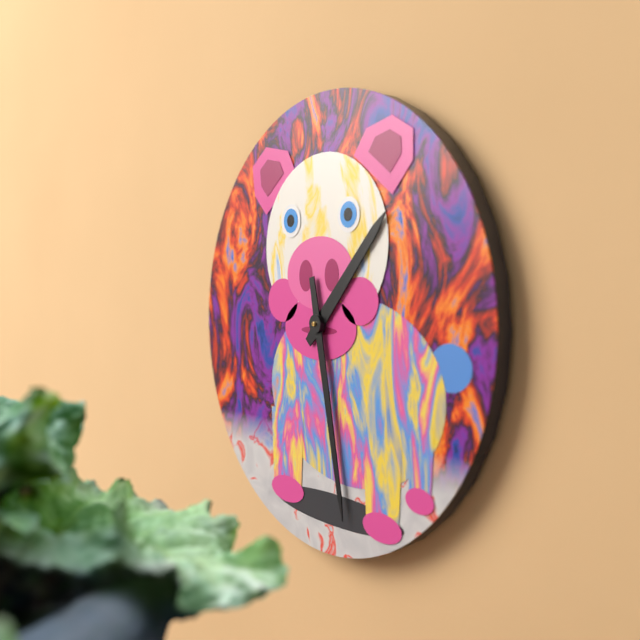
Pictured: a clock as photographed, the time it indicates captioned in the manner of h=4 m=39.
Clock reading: h=1 m=28
